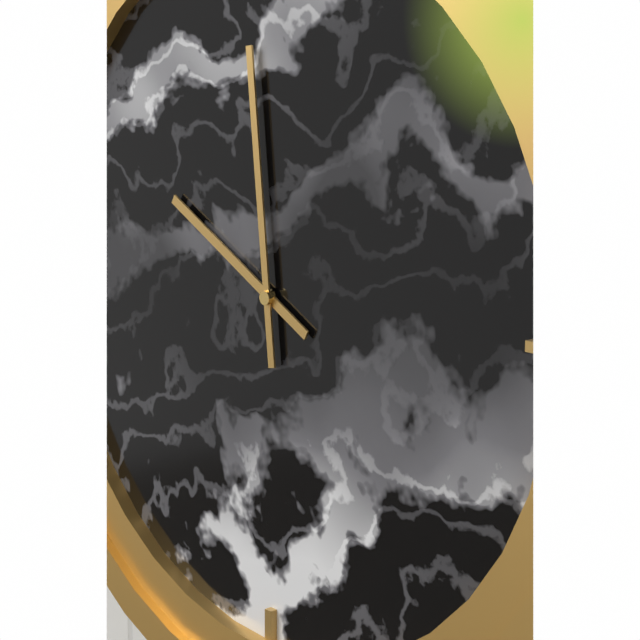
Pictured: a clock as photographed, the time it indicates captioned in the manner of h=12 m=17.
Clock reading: h=9 m=59
